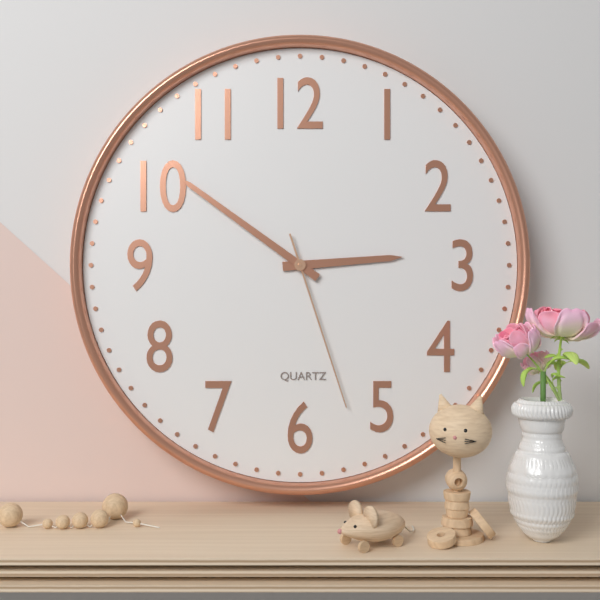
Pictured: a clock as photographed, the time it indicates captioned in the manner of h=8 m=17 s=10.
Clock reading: h=2 m=51 s=27
